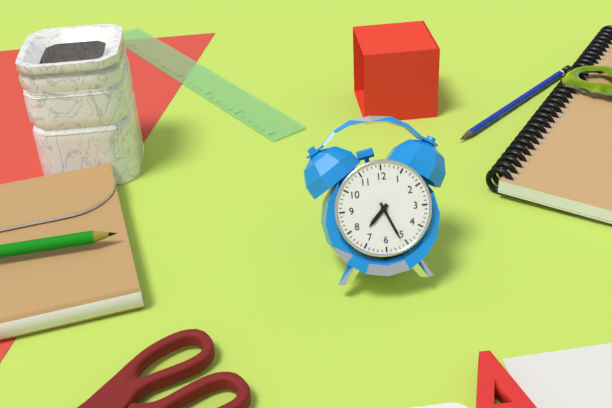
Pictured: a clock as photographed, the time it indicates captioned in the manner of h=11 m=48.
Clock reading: h=7 m=26
